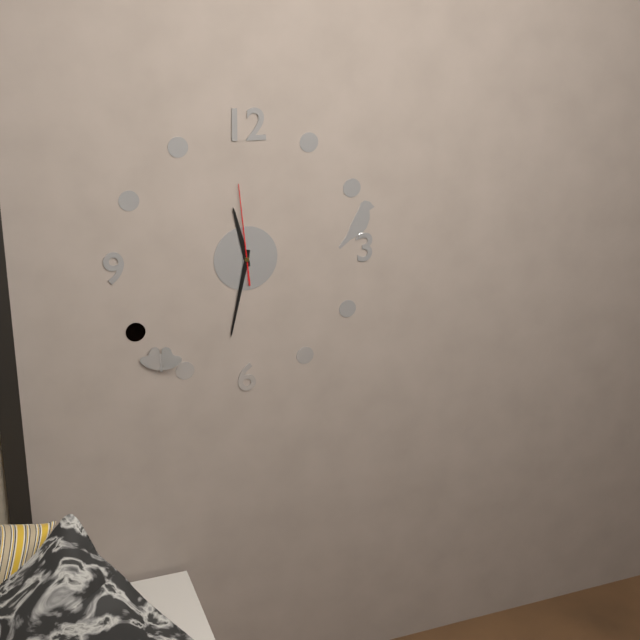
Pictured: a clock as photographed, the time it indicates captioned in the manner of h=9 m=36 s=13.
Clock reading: h=11 m=32 s=59
